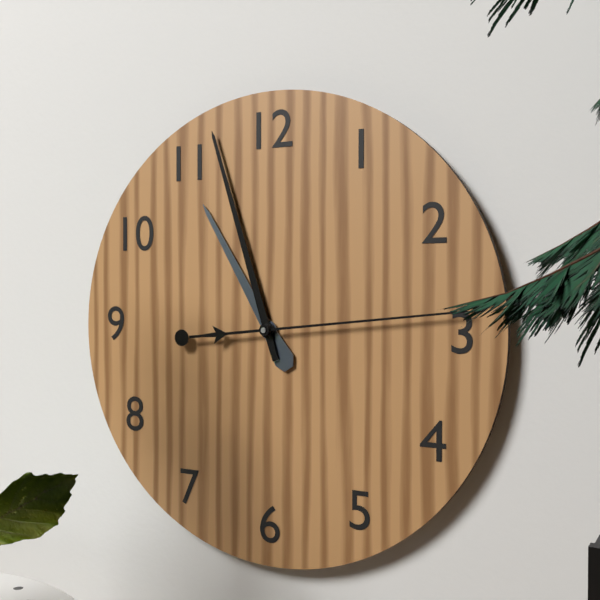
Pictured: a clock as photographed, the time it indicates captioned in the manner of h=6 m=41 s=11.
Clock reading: h=10 m=57 s=14
